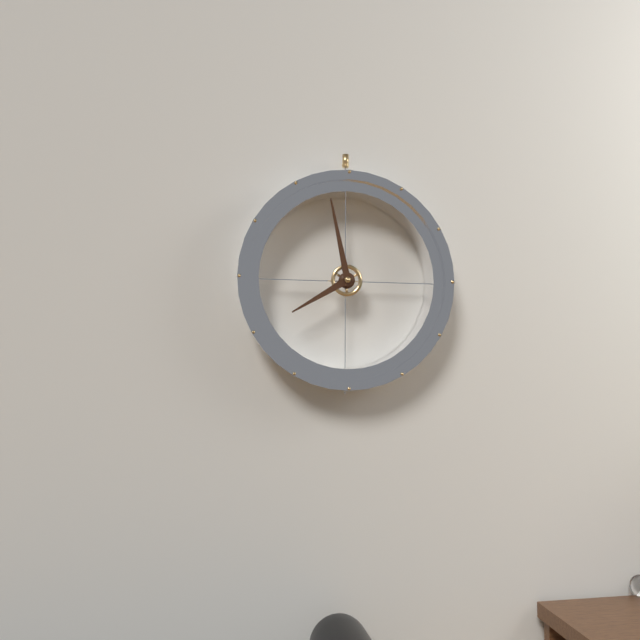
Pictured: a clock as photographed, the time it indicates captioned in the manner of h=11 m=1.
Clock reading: h=7 m=58
